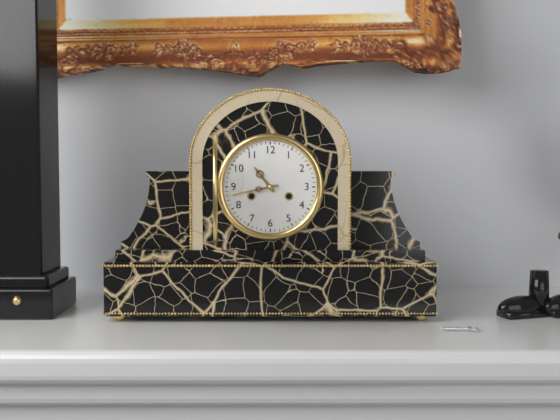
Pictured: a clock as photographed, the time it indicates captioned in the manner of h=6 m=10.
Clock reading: h=10 m=43
